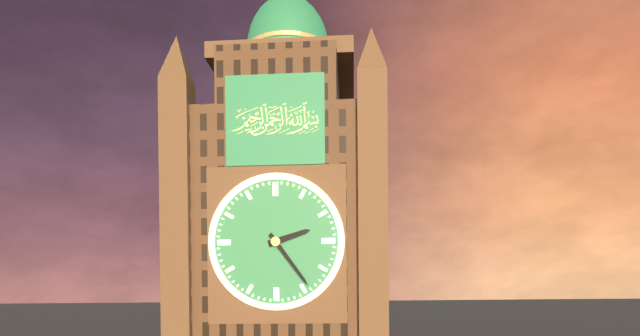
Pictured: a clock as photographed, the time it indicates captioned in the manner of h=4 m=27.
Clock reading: h=2 m=24
